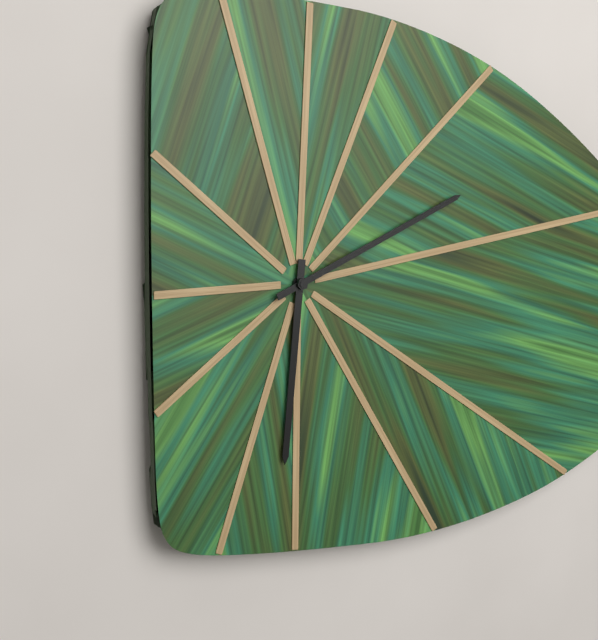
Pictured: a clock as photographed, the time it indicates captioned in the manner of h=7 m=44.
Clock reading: h=6 m=11
